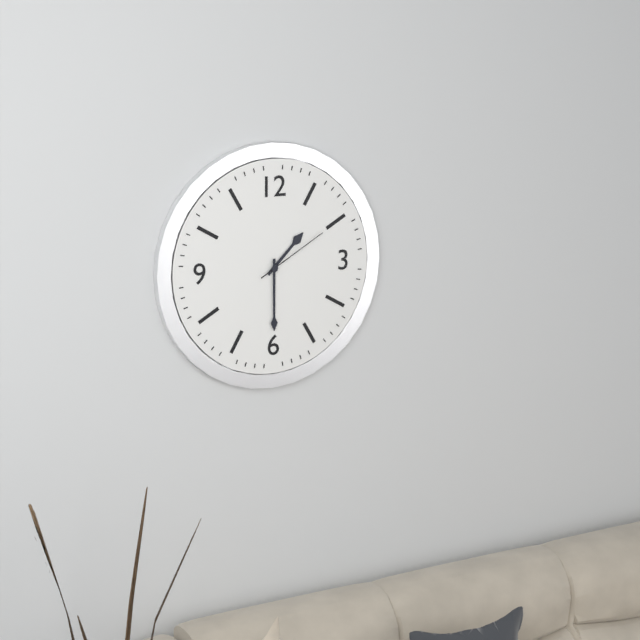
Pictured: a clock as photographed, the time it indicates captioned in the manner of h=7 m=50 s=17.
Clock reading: h=1 m=30 s=10
